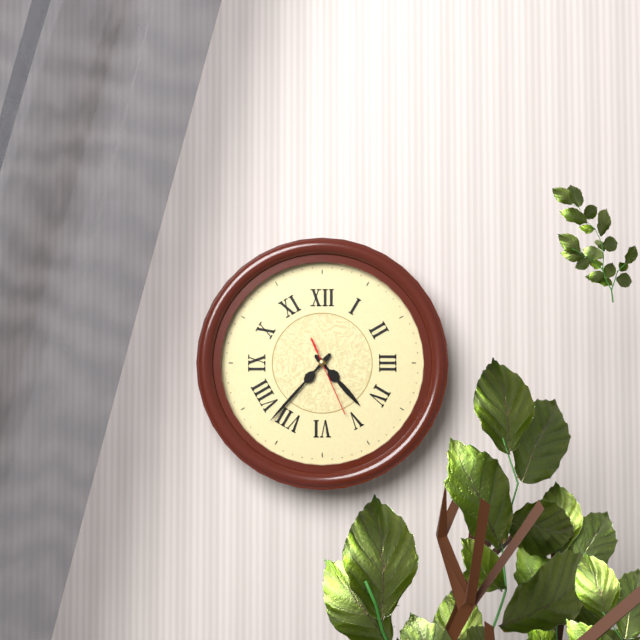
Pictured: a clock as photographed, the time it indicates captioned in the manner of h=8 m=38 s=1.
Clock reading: h=4 m=37 s=26
